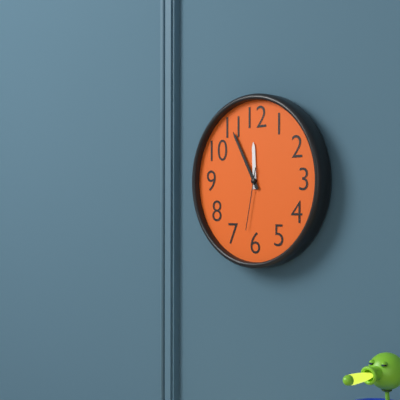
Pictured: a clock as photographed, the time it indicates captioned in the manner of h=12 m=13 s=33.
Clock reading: h=11 m=55 s=32
